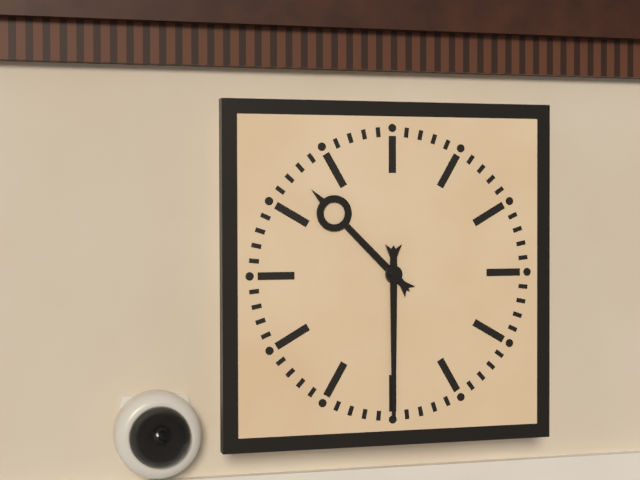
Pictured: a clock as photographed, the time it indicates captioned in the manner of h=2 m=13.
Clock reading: h=10 m=30
